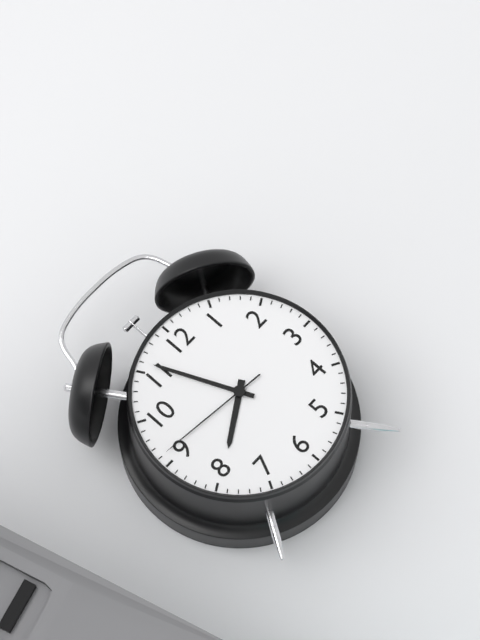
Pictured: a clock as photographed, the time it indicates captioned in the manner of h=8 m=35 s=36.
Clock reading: h=7 m=56 s=46
